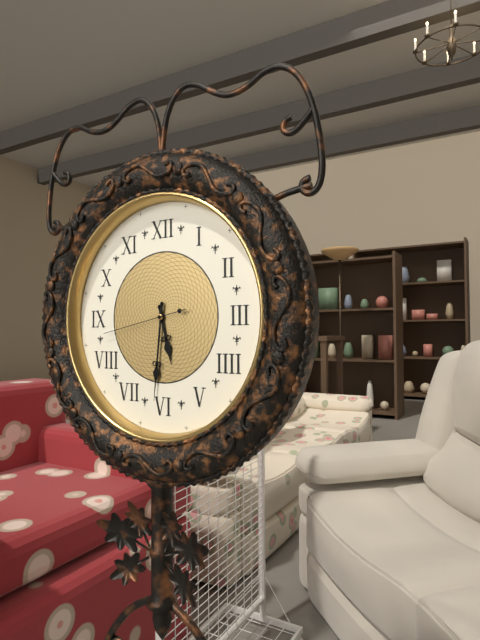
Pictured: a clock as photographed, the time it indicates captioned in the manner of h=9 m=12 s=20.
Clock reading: h=5 m=31 s=43
